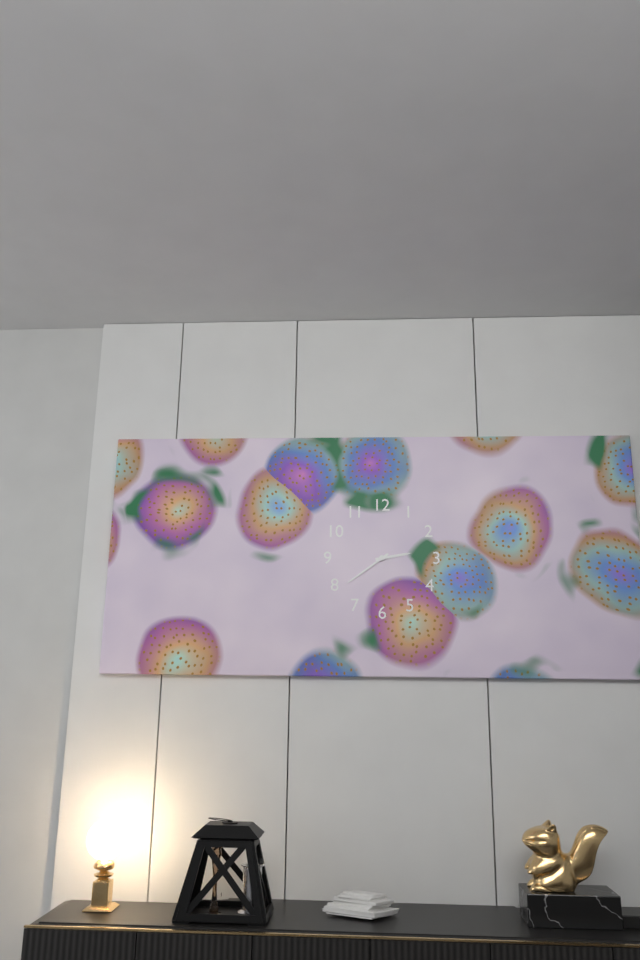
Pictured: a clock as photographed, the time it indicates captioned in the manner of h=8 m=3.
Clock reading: h=2 m=39
